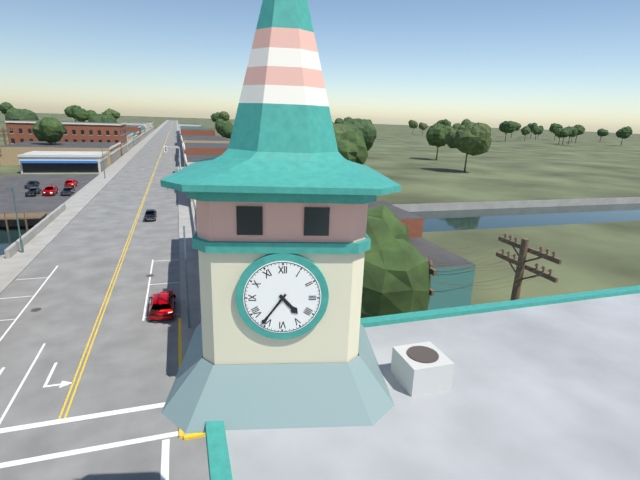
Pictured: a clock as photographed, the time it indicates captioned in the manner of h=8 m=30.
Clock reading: h=4 m=36
